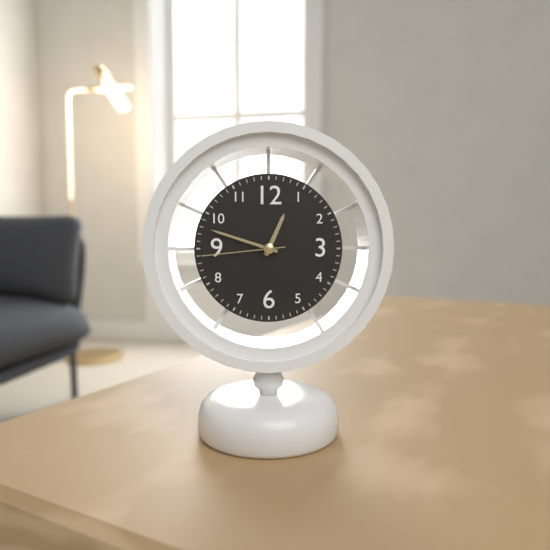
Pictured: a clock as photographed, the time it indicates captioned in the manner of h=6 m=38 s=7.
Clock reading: h=12 m=48 s=44
